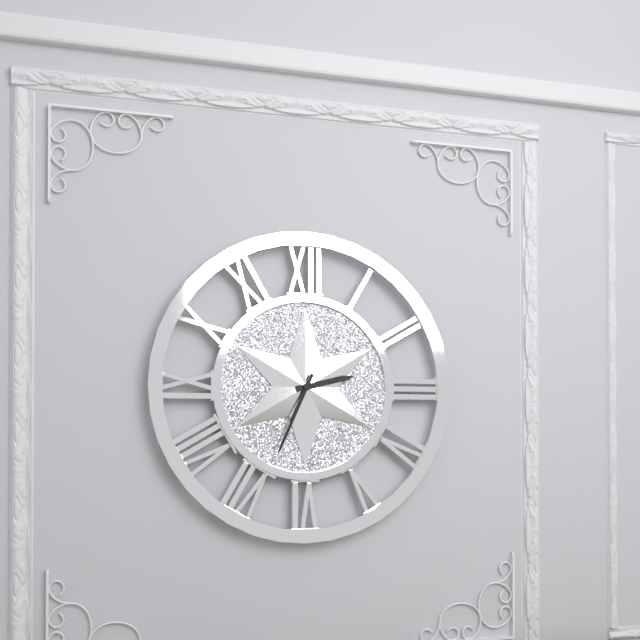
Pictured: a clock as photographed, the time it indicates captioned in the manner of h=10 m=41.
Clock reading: h=2 m=34
